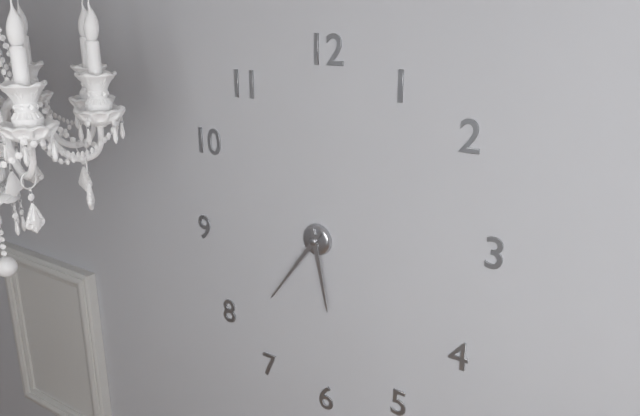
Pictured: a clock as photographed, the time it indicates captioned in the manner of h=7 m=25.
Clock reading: h=5 m=36
